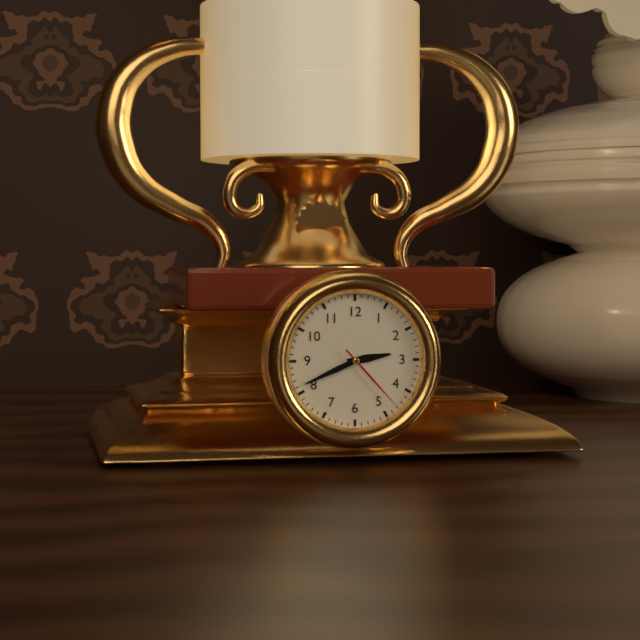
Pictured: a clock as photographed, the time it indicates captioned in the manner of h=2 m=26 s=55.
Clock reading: h=2 m=41 s=23
